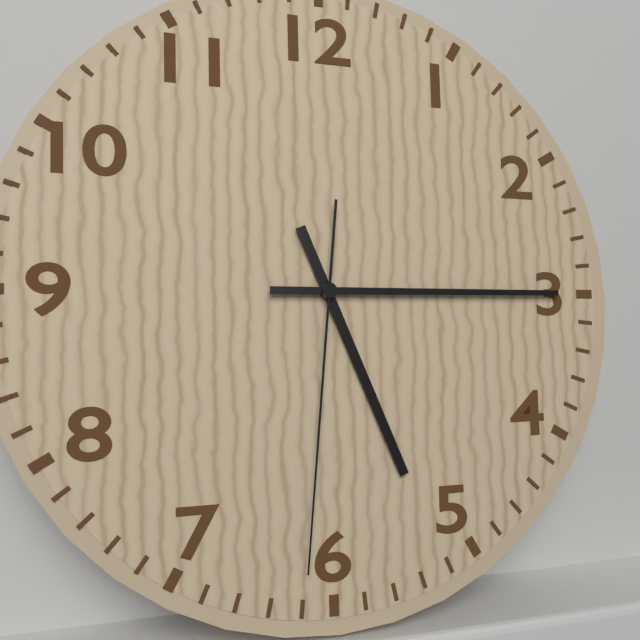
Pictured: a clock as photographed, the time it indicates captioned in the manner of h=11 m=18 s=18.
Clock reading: h=5 m=15 s=31
